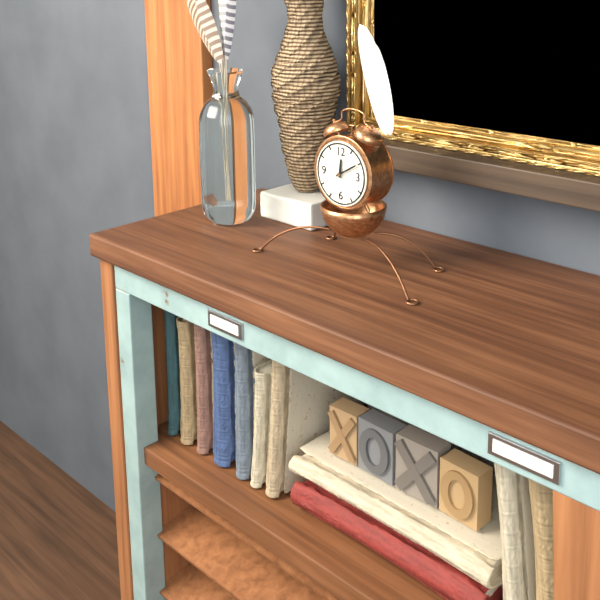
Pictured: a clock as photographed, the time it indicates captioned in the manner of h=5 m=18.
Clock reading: h=12 m=10
